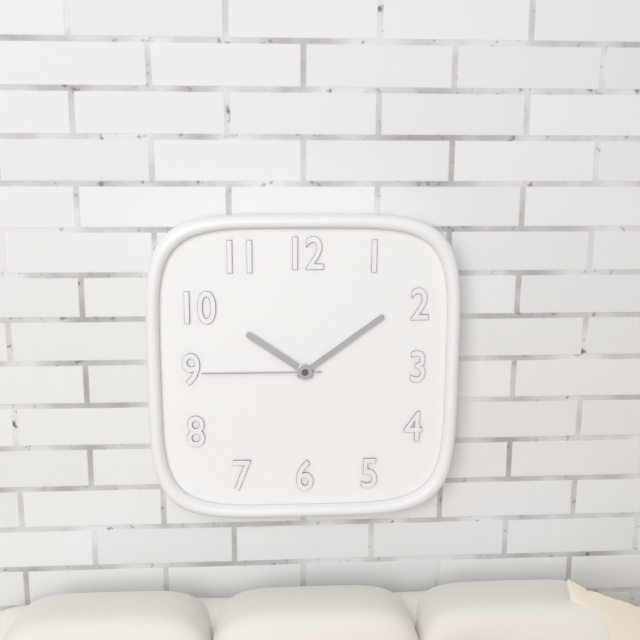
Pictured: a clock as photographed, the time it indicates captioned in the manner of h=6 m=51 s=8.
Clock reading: h=10 m=9 s=45
